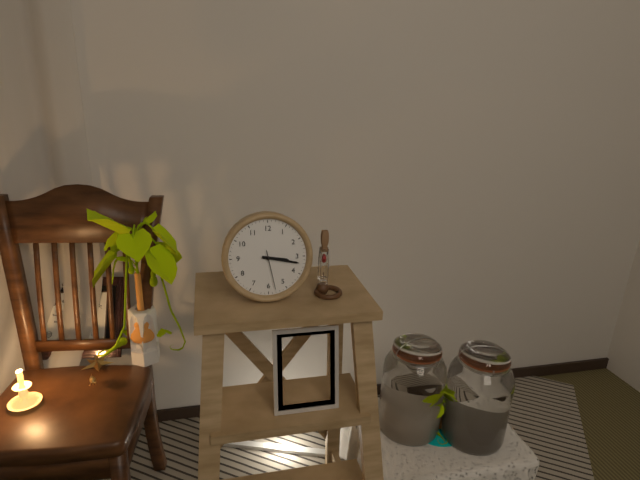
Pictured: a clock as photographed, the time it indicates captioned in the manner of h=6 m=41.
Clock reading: h=3 m=17
